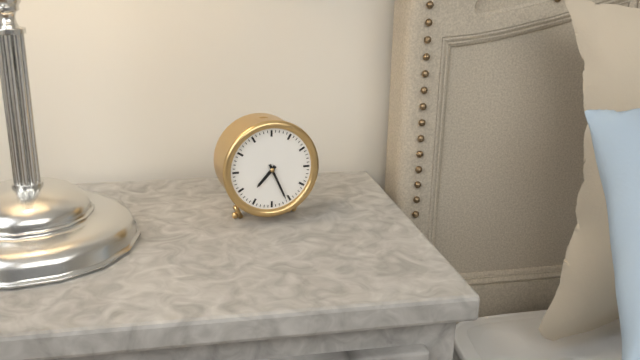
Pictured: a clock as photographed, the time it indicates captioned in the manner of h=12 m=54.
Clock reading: h=7 m=26
